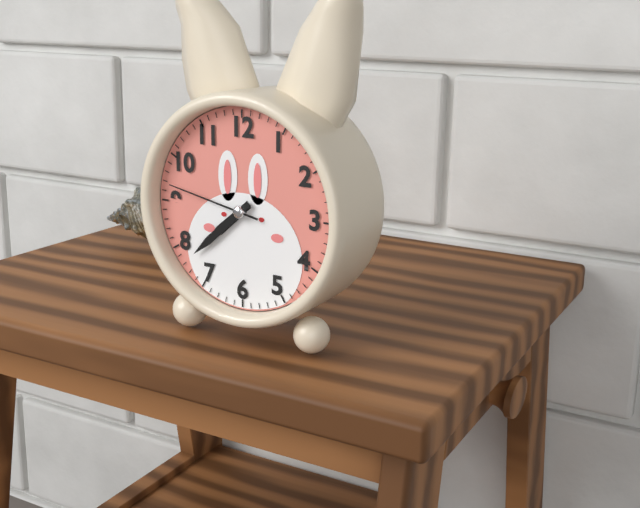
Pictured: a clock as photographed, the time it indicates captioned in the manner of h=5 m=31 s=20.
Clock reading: h=7 m=38 s=47
